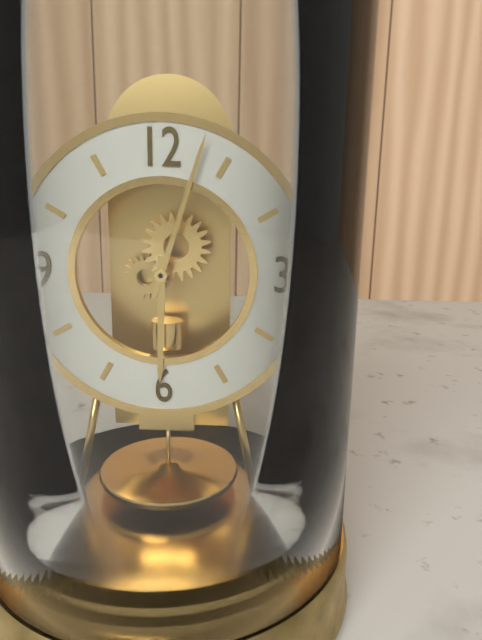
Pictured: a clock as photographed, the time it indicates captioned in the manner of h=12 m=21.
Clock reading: h=6 m=3
